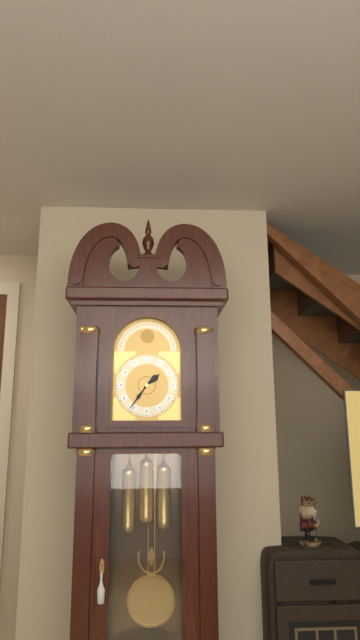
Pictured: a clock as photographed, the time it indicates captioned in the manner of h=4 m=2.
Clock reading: h=1 m=36
